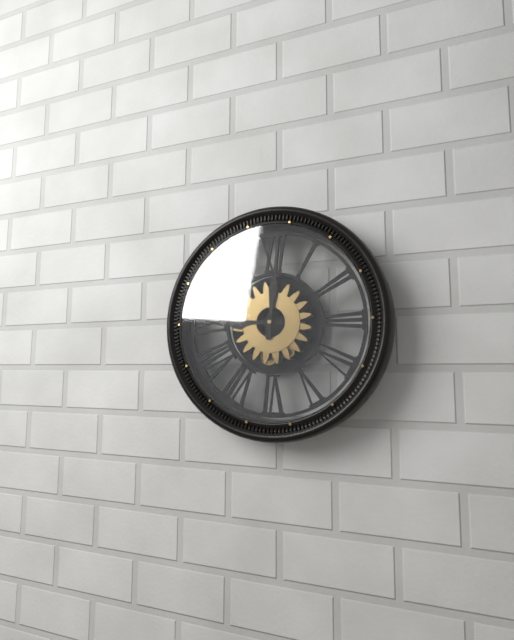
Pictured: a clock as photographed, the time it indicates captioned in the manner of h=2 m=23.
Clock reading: h=9 m=1
